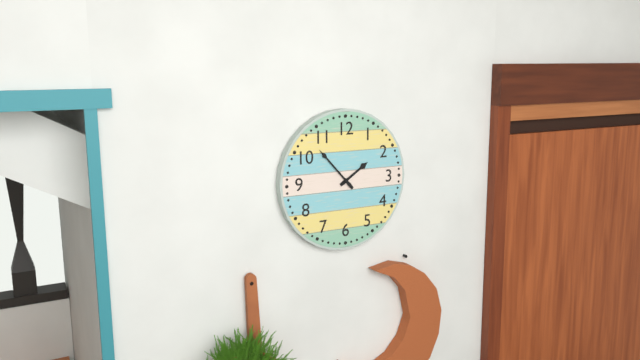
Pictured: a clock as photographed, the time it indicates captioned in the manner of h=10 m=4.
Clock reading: h=1 m=53
